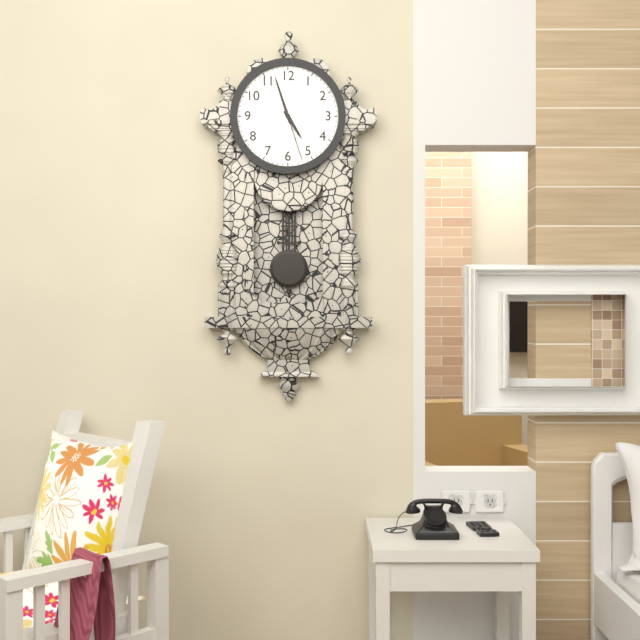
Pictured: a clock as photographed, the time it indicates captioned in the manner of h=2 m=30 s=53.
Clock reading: h=4 m=57 s=27
